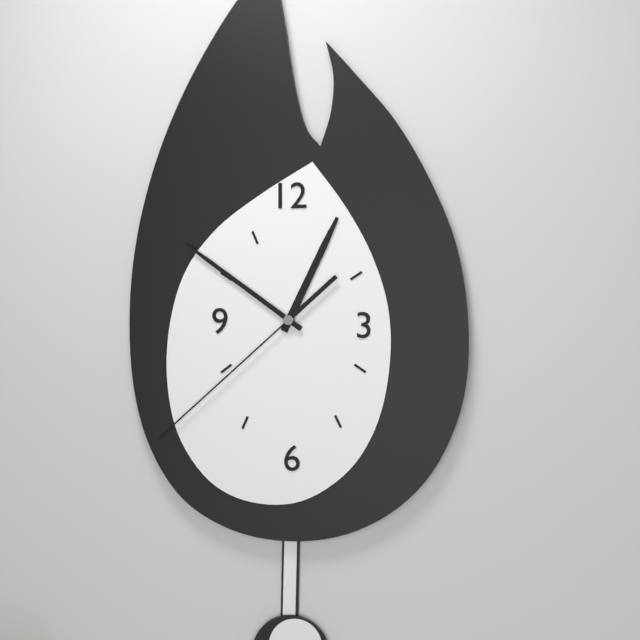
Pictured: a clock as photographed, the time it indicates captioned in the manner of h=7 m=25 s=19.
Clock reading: h=12 m=51 s=38
